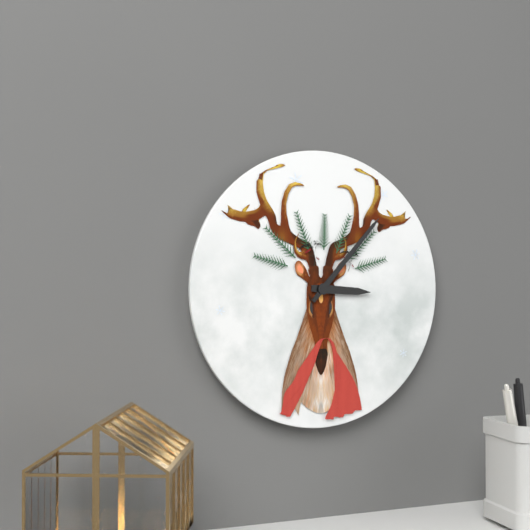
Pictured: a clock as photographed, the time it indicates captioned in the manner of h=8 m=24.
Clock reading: h=3 m=7
